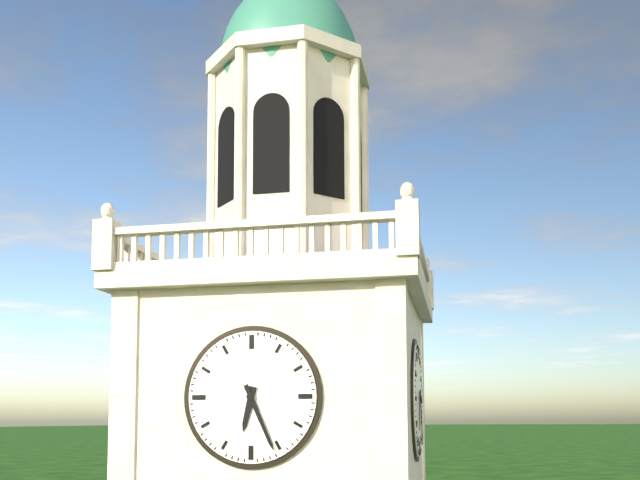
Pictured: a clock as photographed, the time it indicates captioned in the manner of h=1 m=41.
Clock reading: h=6 m=26
